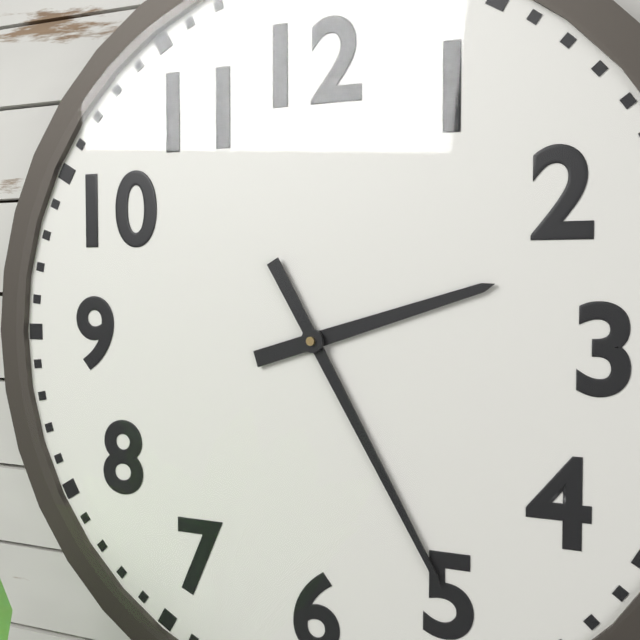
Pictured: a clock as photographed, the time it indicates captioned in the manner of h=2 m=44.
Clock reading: h=2 m=25
